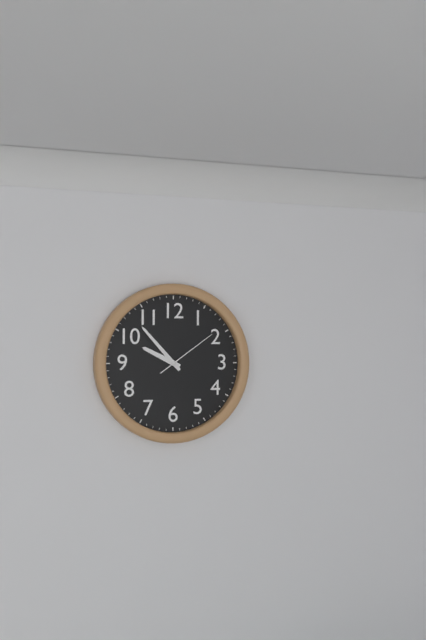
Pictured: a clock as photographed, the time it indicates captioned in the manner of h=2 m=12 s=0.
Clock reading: h=9 m=53 s=9
